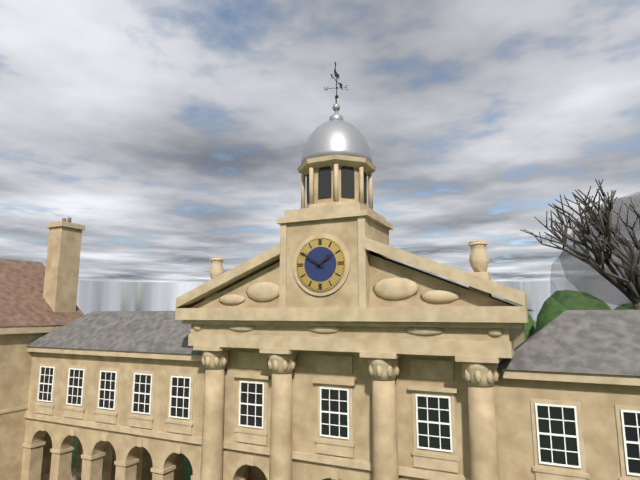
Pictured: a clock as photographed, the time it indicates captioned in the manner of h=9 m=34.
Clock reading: h=1 m=50
